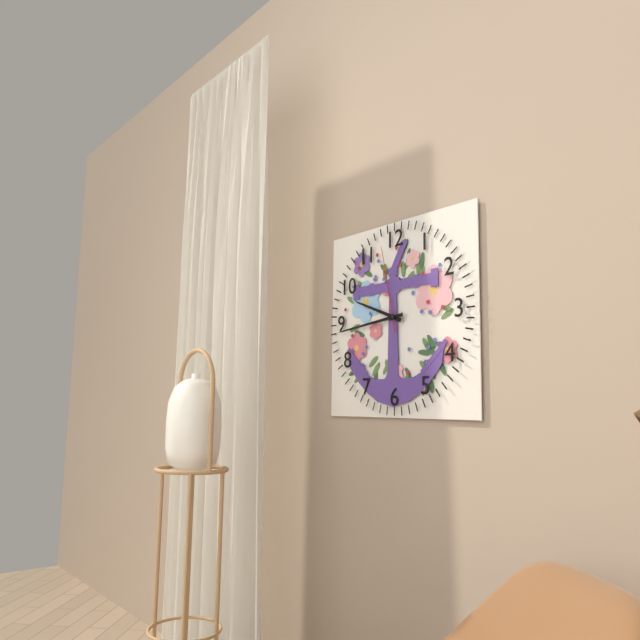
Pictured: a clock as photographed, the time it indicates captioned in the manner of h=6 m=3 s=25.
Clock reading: h=9 m=44 s=58
